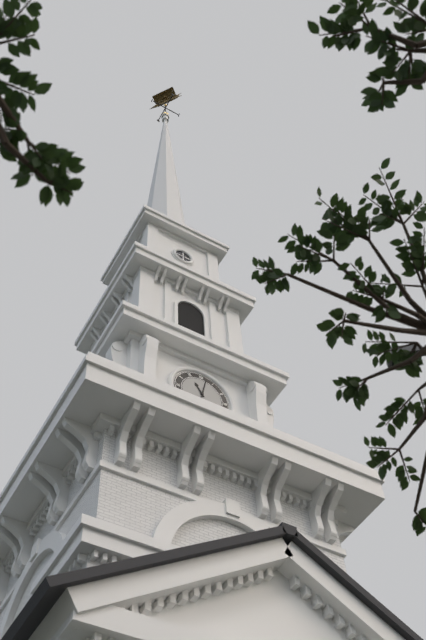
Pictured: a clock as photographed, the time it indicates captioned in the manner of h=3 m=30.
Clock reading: h=11 m=2
